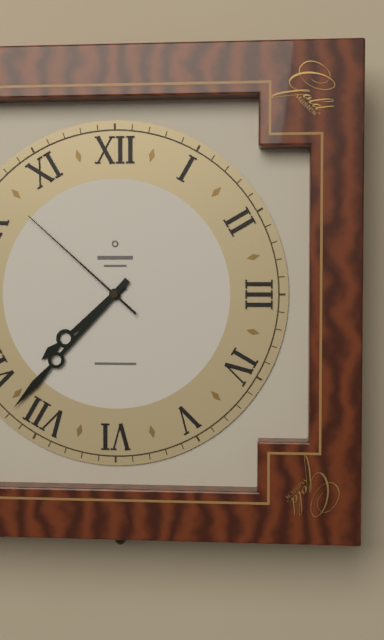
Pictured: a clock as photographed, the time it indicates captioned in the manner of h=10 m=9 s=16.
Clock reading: h=7 m=37 s=52
